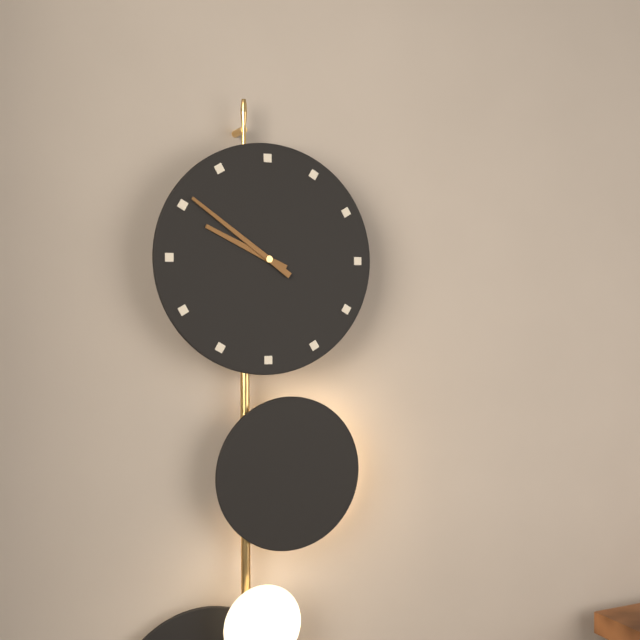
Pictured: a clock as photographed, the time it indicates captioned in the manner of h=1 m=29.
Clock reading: h=9 m=51
